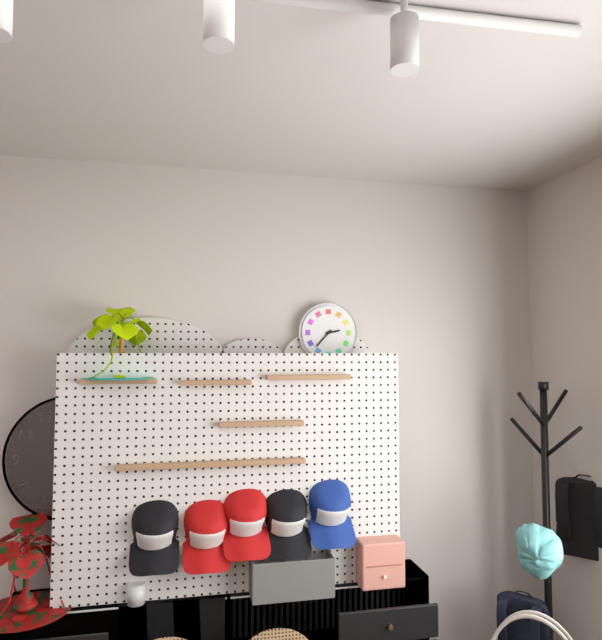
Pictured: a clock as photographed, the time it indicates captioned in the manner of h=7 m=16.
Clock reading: h=2 m=37
